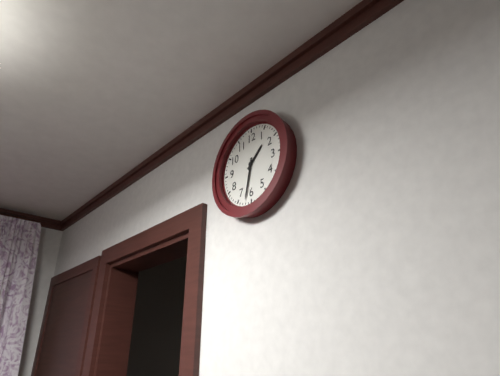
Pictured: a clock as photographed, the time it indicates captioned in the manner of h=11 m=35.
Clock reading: h=1 m=32
